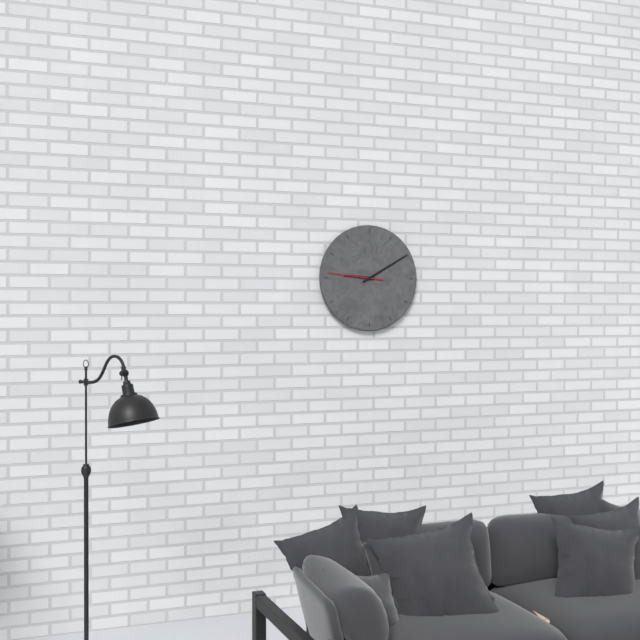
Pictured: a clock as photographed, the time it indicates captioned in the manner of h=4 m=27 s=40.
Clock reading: h=9 m=10 s=46
